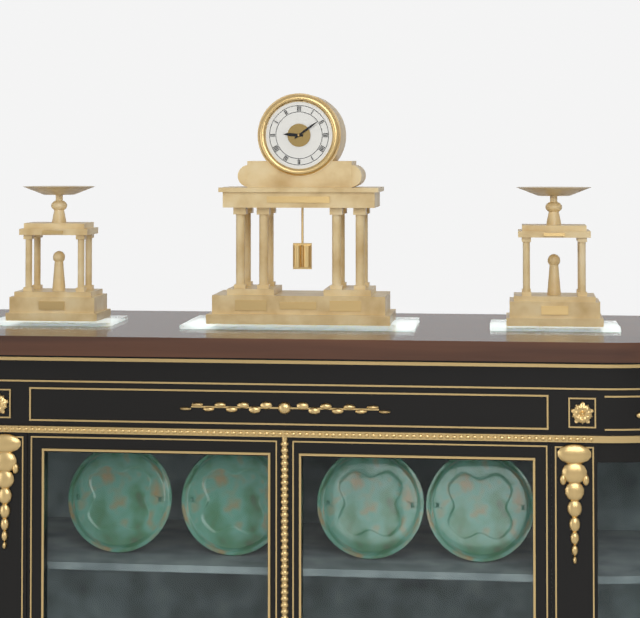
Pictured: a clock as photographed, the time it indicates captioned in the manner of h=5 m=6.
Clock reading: h=9 m=9
